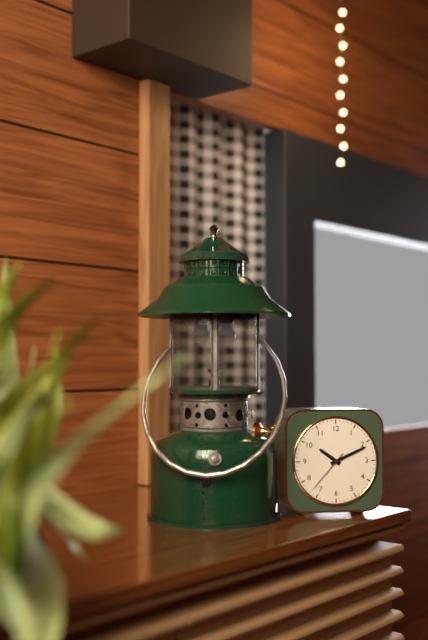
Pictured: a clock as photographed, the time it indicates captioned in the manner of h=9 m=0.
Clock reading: h=10 m=11
